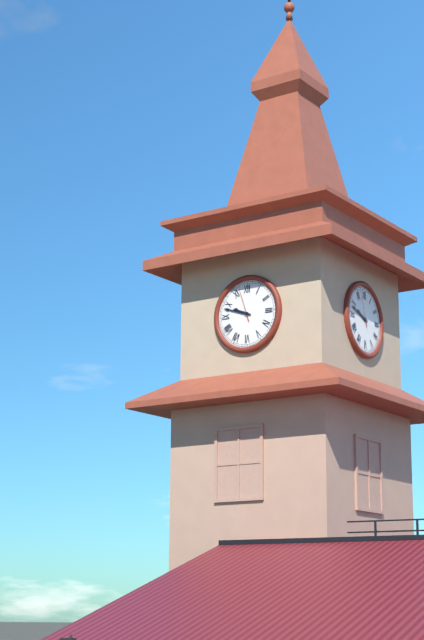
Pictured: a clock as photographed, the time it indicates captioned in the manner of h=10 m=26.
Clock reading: h=9 m=48
